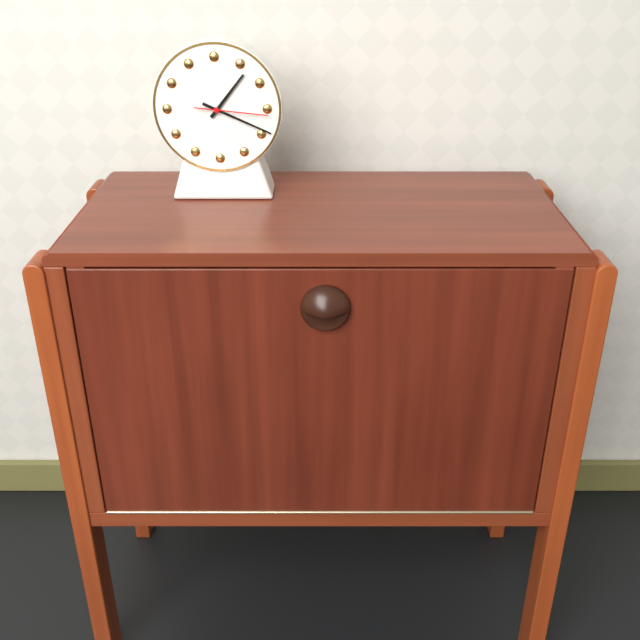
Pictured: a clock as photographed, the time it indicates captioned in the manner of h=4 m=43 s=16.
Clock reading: h=1 m=19 s=16
